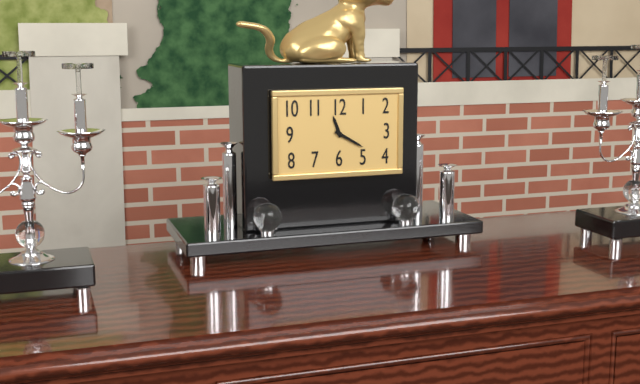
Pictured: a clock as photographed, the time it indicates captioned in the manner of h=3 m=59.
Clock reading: h=11 m=20
